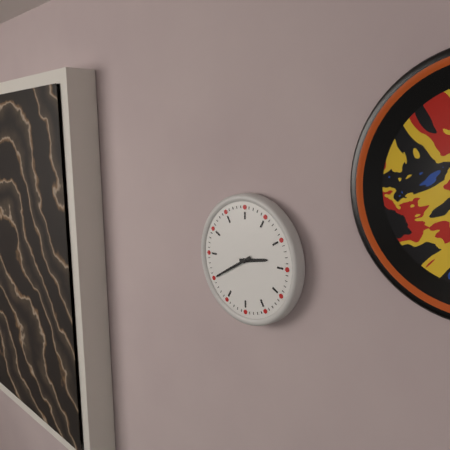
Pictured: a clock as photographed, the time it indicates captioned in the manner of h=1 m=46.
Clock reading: h=2 m=40
